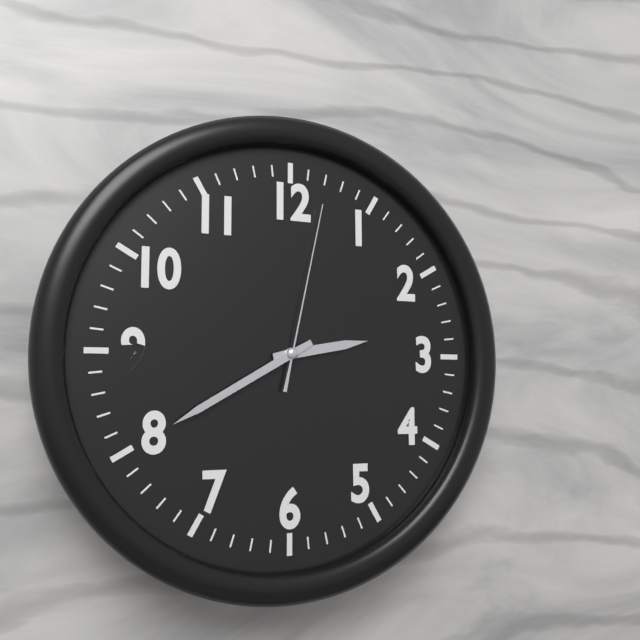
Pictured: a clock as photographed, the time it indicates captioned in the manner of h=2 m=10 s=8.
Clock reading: h=2 m=40 s=2
